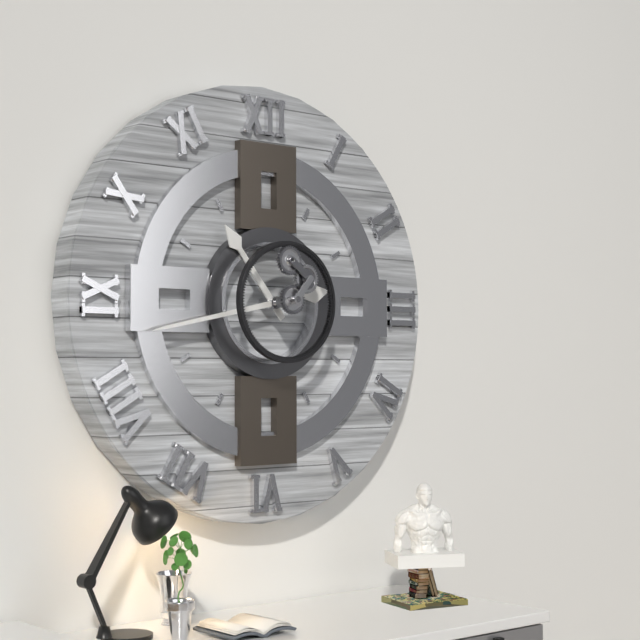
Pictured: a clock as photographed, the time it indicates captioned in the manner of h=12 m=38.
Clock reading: h=10 m=43
